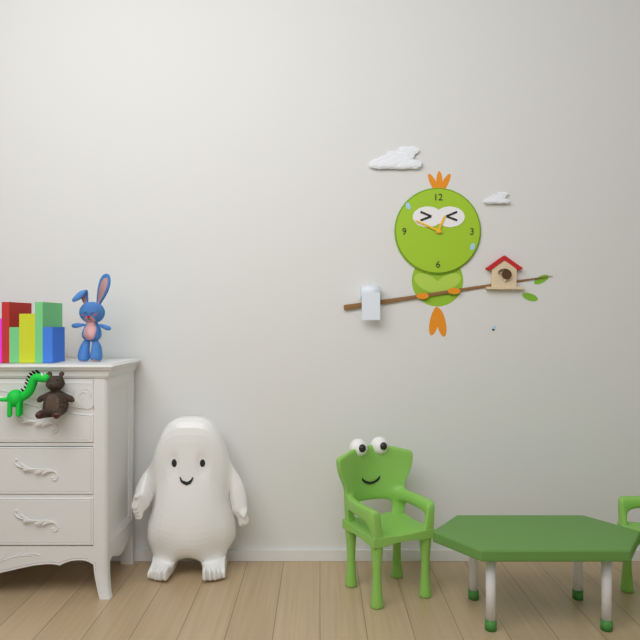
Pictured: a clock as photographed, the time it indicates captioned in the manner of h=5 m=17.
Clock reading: h=12 m=49
